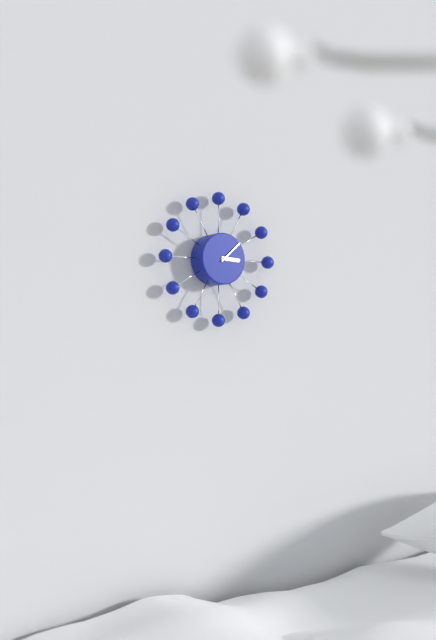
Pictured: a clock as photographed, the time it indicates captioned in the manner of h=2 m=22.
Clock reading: h=3 m=8
